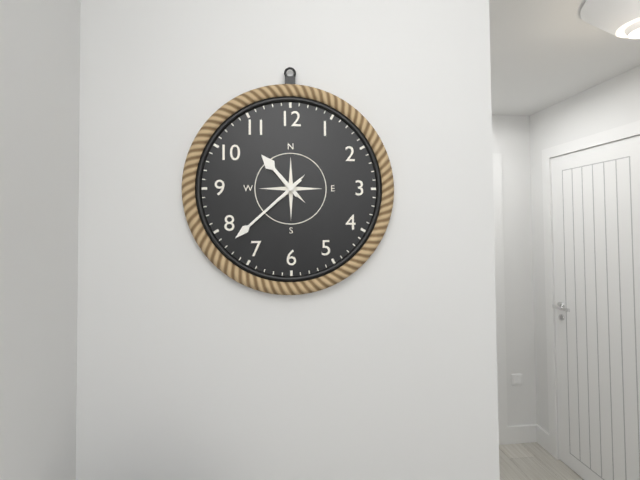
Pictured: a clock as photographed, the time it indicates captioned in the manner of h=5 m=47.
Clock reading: h=10 m=38
